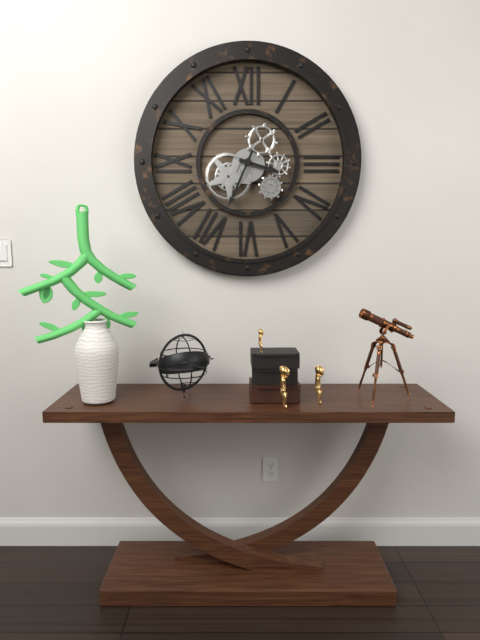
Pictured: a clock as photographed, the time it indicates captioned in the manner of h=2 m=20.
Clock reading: h=3 m=34
